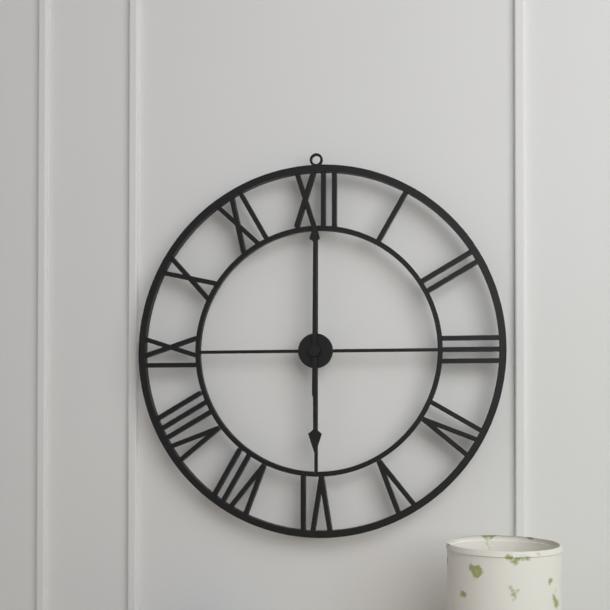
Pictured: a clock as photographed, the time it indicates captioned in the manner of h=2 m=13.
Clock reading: h=6 m=0
